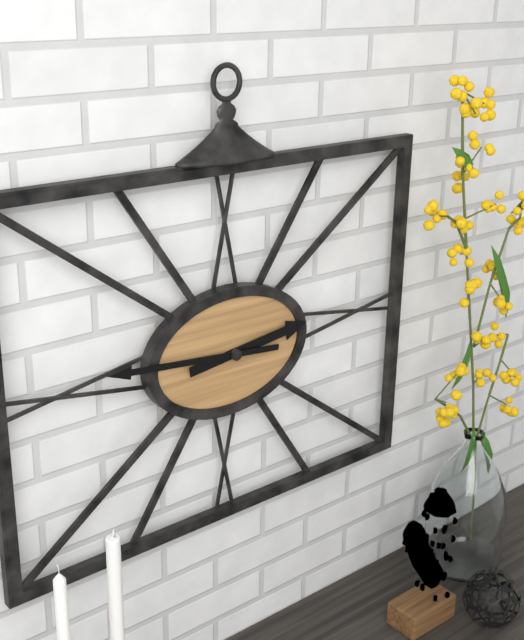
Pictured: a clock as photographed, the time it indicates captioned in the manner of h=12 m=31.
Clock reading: h=2 m=46
